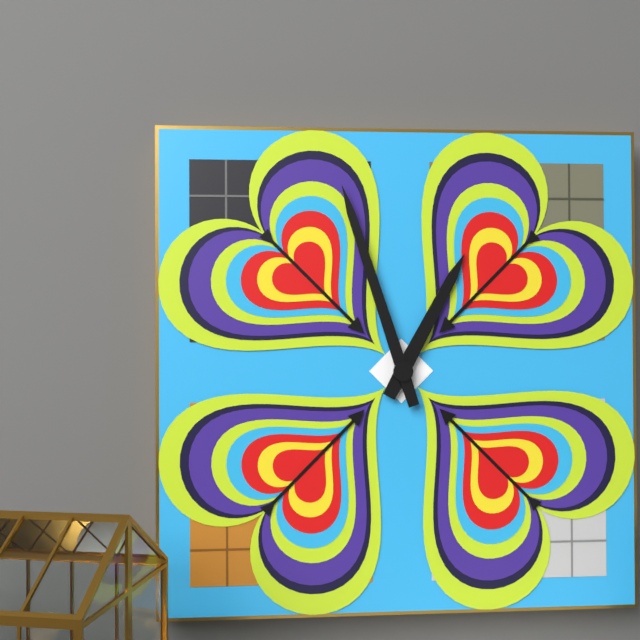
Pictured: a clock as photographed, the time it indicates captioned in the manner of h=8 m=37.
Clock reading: h=12 m=57
